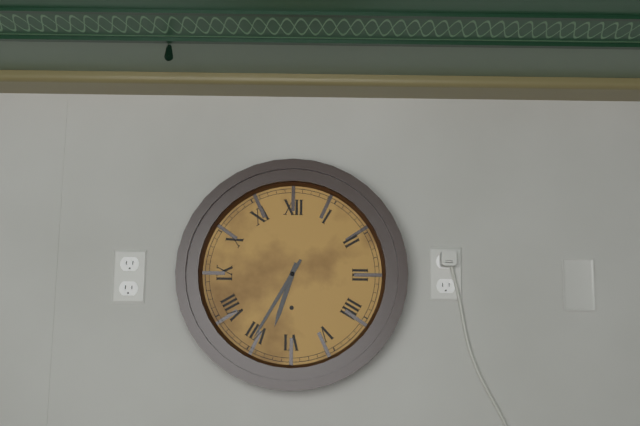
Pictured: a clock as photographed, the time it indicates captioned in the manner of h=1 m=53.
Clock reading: h=6 m=35
